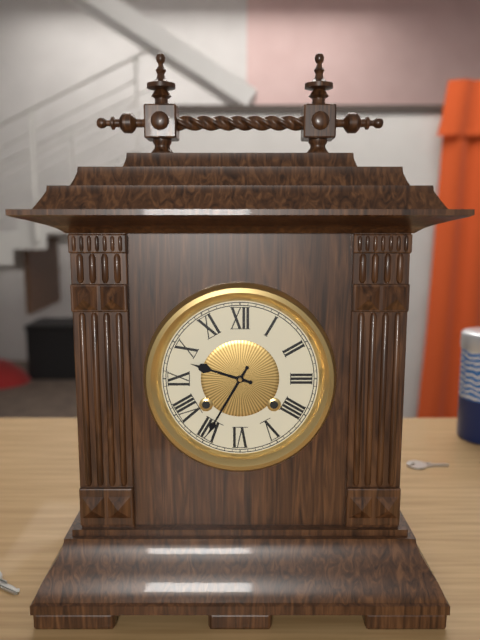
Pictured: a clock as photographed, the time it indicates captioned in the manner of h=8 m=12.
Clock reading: h=9 m=35
